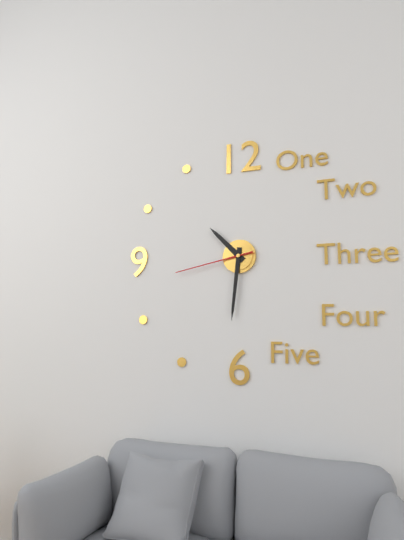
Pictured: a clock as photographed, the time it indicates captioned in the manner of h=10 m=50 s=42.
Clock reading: h=10 m=31 s=43
